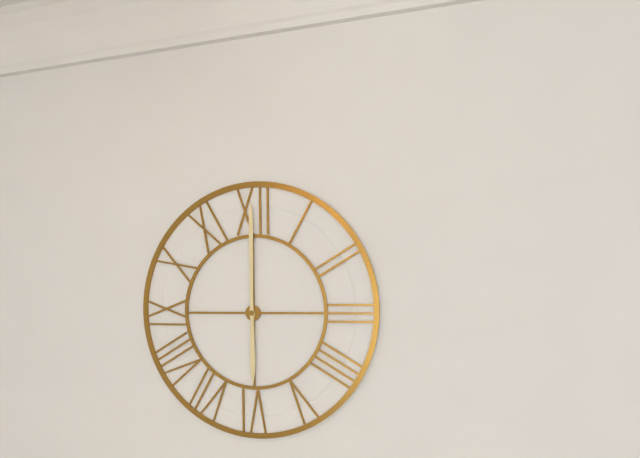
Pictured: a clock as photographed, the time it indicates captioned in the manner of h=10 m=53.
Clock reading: h=6 m=0
